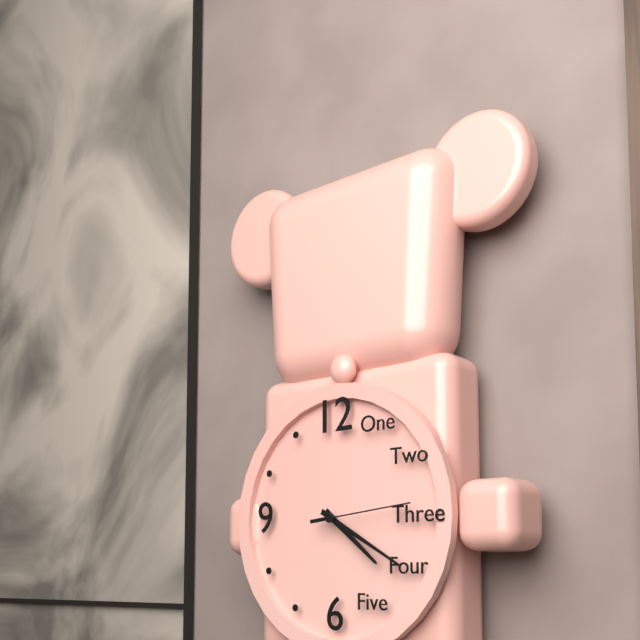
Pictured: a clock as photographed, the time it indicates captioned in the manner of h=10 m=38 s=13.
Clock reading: h=4 m=20 s=14
